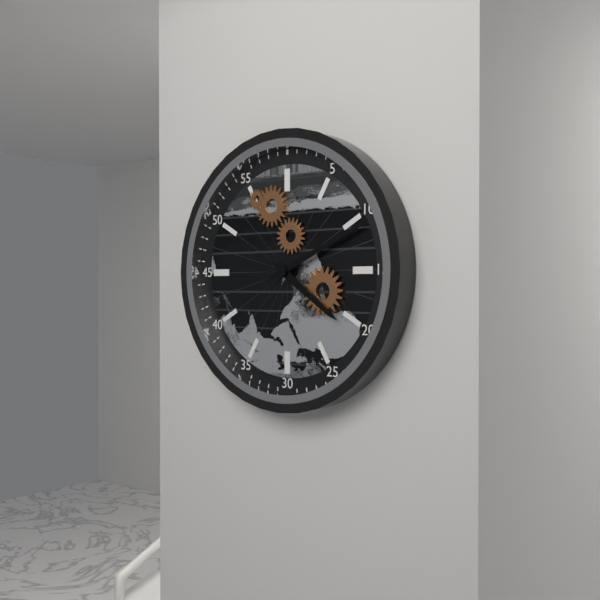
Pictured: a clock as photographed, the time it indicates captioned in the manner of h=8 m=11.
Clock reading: h=4 m=11
